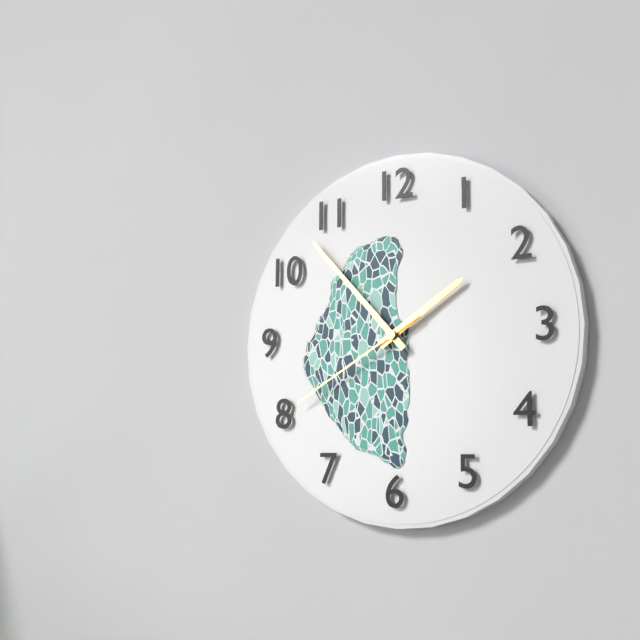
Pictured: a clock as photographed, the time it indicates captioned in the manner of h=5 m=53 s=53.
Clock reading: h=1 m=53 s=40
